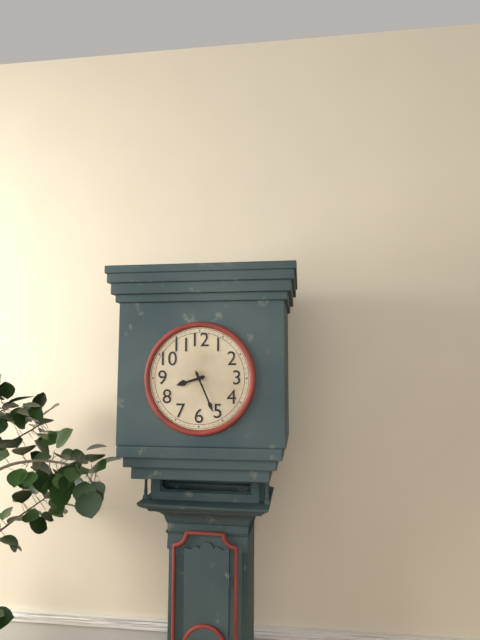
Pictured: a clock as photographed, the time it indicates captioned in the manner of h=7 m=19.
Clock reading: h=8 m=26
